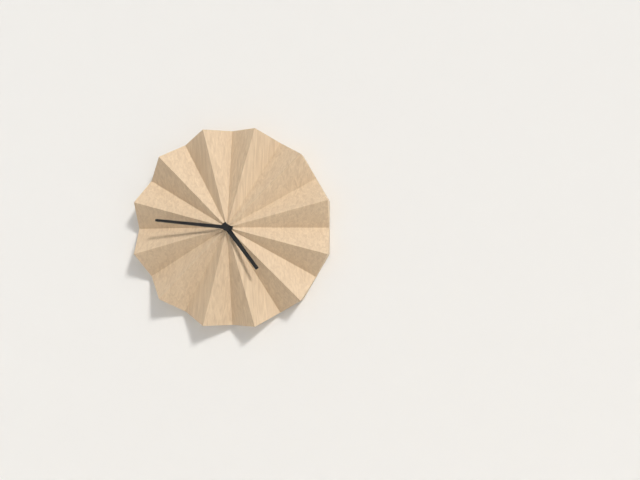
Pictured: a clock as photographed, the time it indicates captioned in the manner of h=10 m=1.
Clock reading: h=4 m=46
